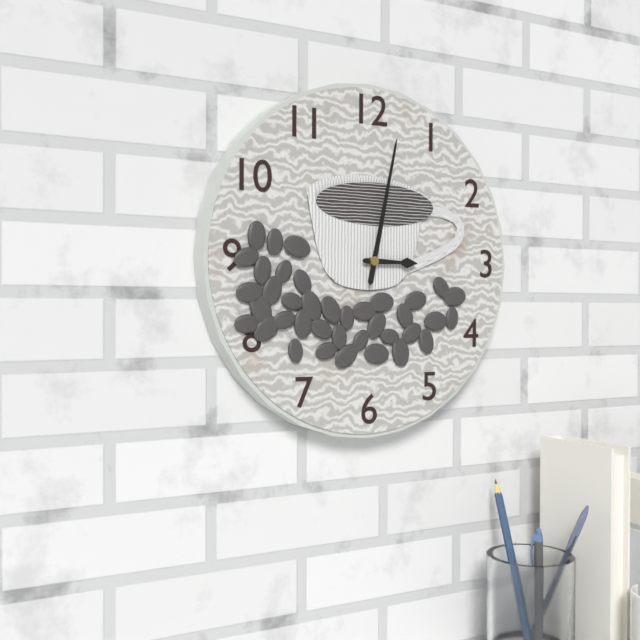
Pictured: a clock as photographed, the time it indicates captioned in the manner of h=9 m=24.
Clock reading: h=3 m=2
